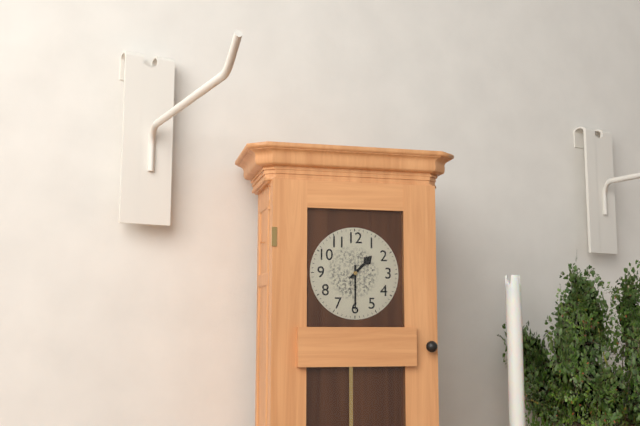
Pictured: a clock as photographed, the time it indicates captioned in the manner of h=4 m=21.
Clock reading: h=1 m=30
